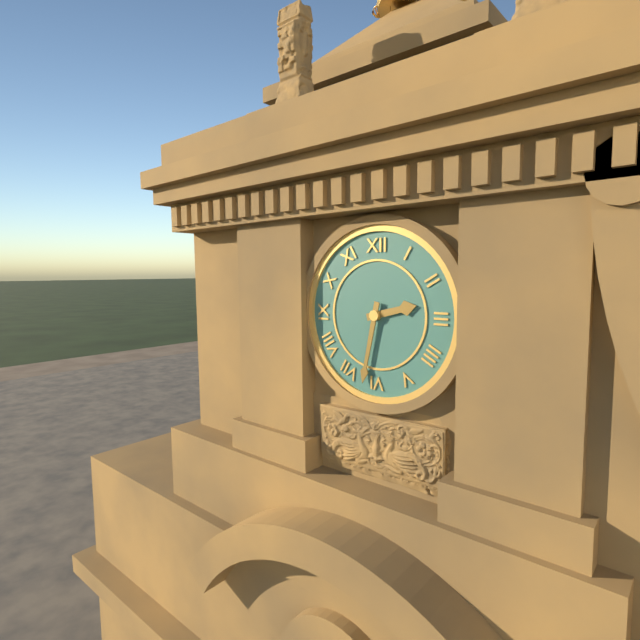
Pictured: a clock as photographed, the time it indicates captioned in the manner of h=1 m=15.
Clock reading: h=2 m=32
